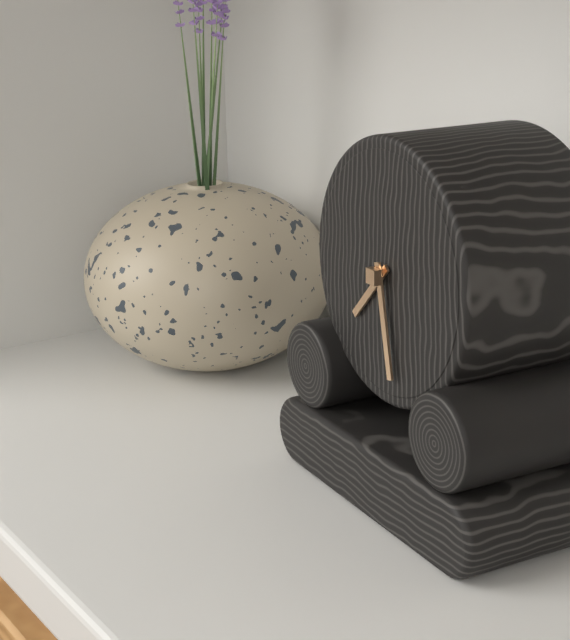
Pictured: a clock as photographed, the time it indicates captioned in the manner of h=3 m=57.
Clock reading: h=7 m=28
